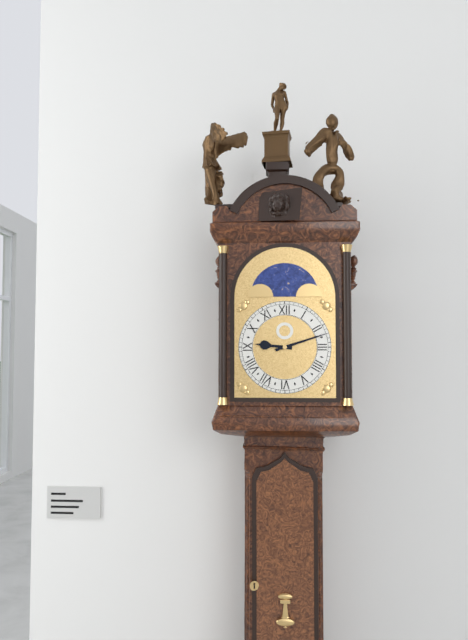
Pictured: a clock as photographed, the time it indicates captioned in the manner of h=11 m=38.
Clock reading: h=9 m=12
